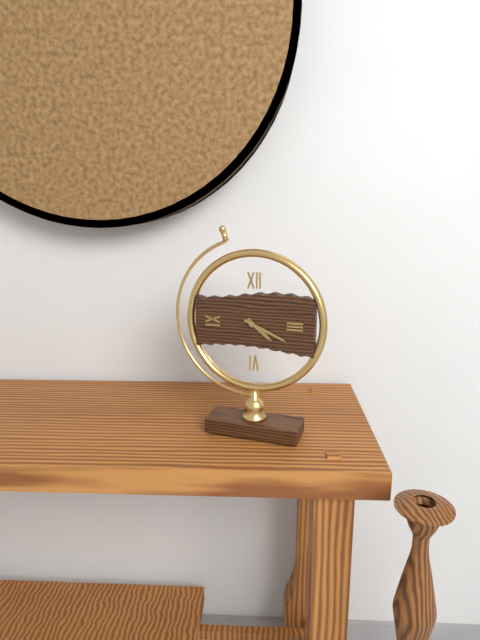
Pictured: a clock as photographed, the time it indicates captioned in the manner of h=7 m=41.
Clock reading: h=4 m=19
